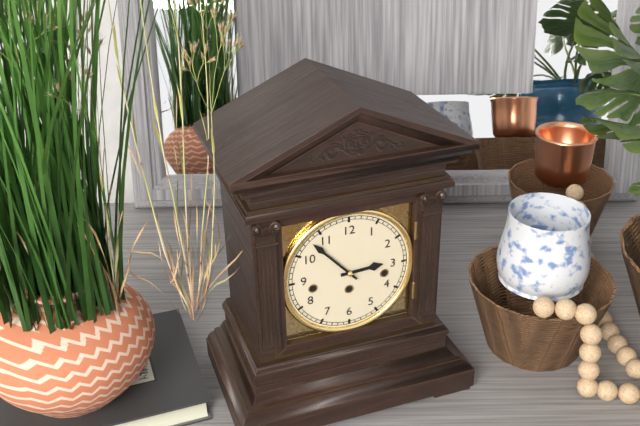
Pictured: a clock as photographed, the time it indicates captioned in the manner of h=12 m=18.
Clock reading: h=2 m=53
